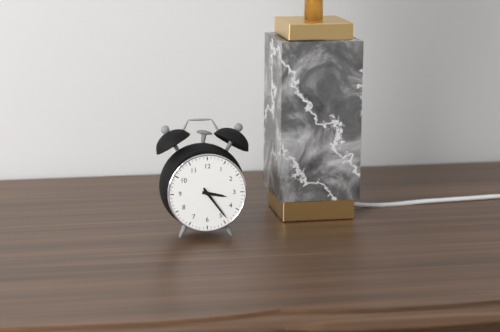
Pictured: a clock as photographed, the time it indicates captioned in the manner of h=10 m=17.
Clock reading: h=3 m=24
